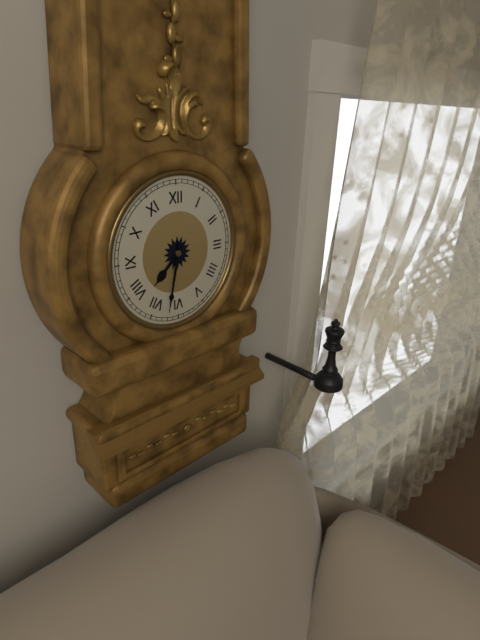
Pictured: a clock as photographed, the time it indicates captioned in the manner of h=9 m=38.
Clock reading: h=7 m=32
